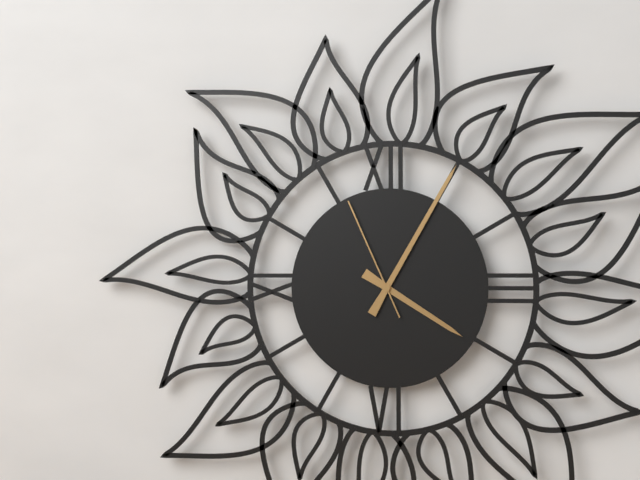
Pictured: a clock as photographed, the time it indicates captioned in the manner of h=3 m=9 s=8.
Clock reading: h=4 m=5 s=56
